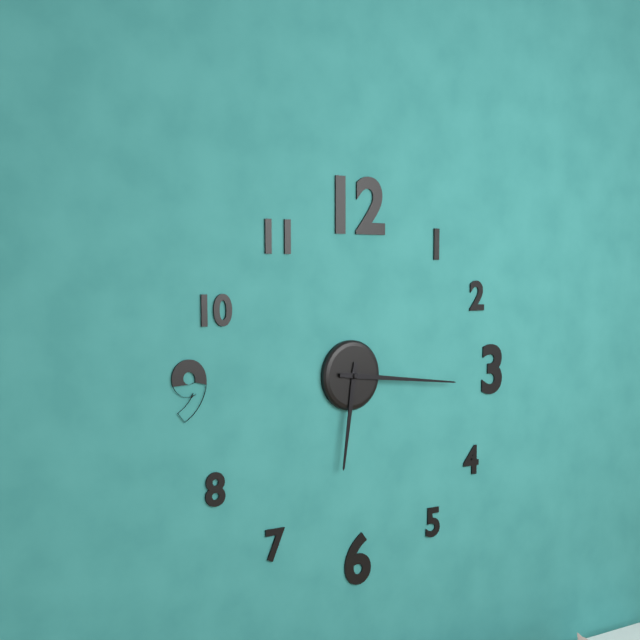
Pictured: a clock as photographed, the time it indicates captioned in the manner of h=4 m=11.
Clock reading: h=6 m=16
